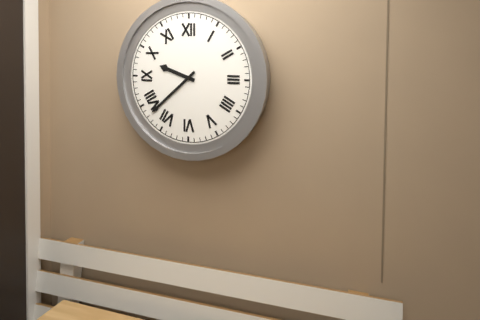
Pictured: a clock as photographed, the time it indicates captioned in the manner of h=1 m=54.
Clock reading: h=9 m=38
